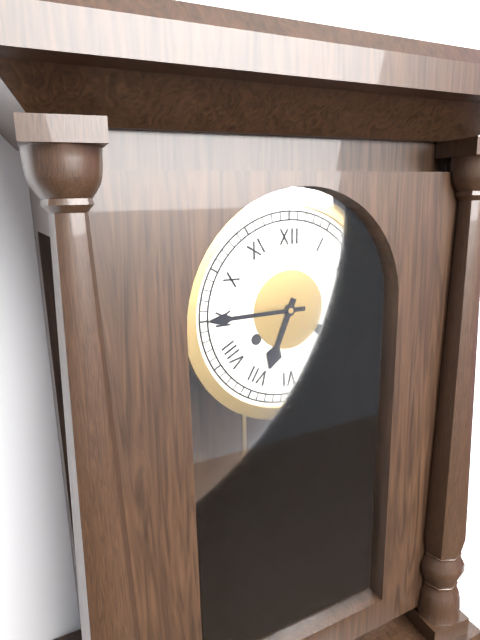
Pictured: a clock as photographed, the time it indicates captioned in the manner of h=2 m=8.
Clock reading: h=6 m=45
